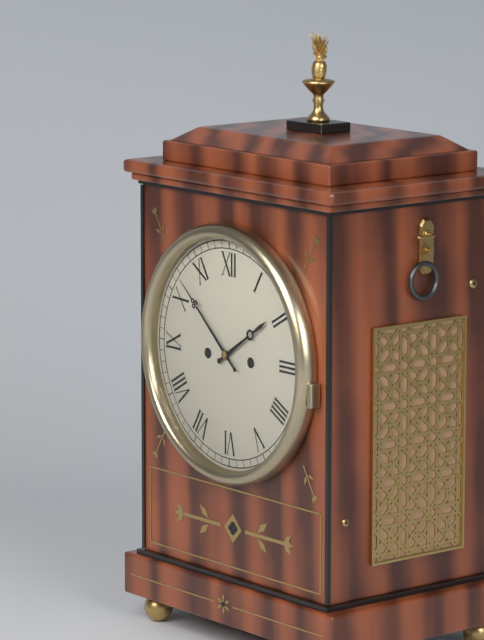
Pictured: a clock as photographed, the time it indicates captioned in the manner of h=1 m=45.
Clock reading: h=1 m=52
